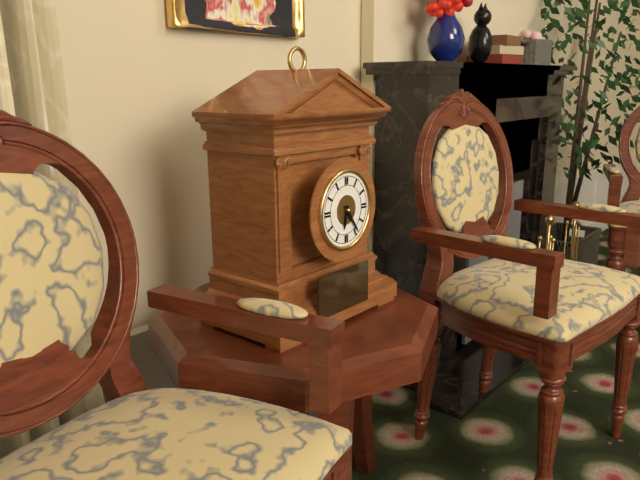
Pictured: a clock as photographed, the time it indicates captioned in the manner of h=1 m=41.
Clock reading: h=6 m=24
